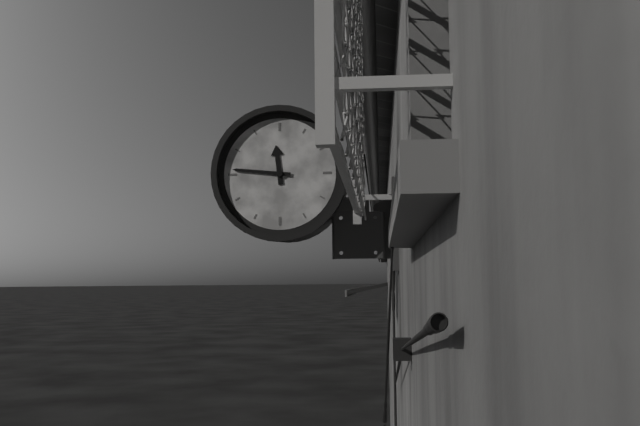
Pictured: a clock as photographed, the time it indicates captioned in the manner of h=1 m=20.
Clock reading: h=11 m=46
